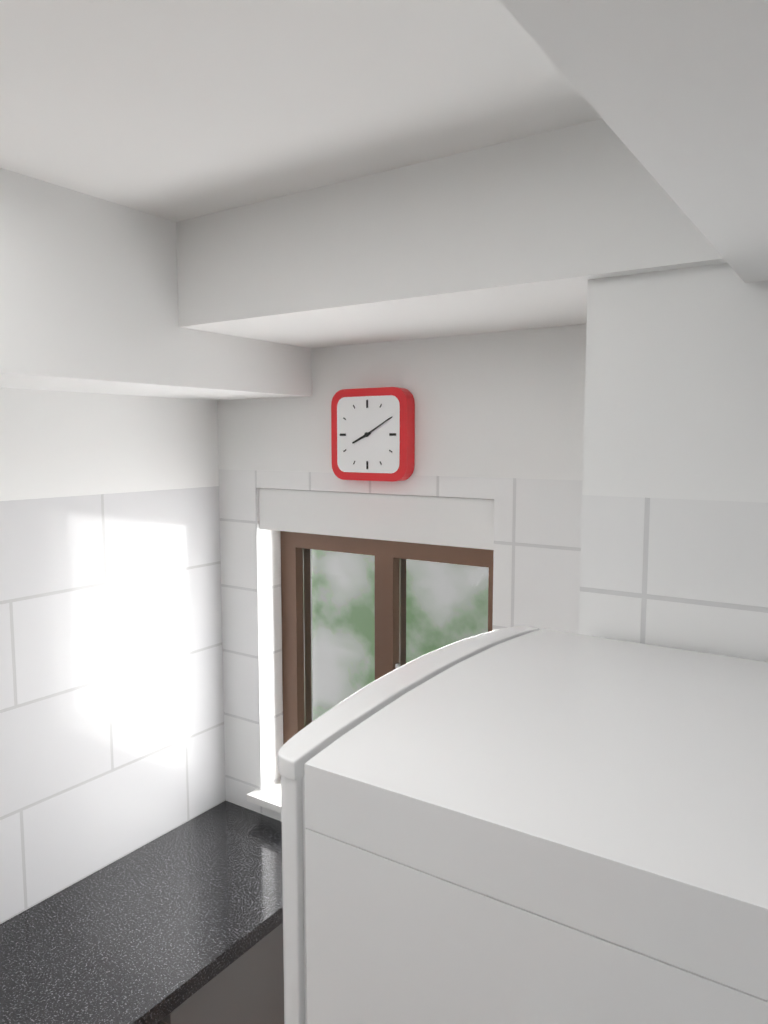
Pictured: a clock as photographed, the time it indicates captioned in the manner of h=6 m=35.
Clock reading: h=8 m=10
